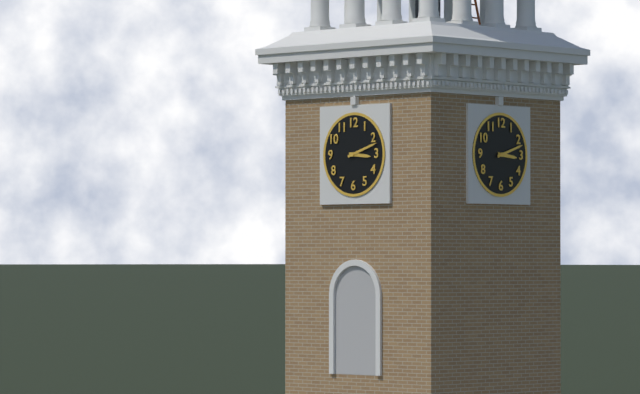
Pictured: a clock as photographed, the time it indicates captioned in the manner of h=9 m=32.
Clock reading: h=3 m=12
